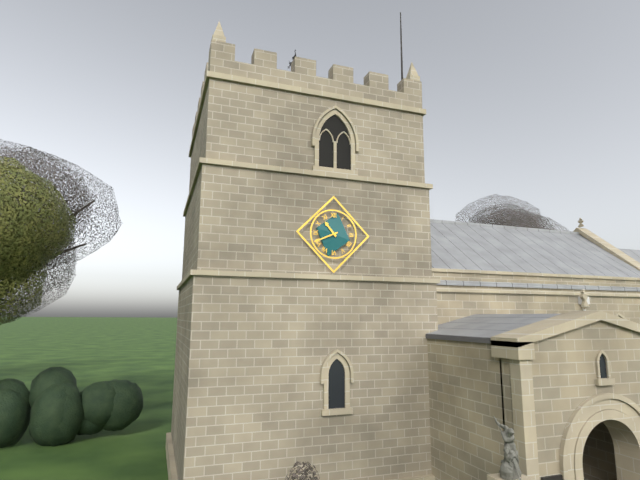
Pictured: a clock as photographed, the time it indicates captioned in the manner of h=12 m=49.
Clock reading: h=10 m=41
